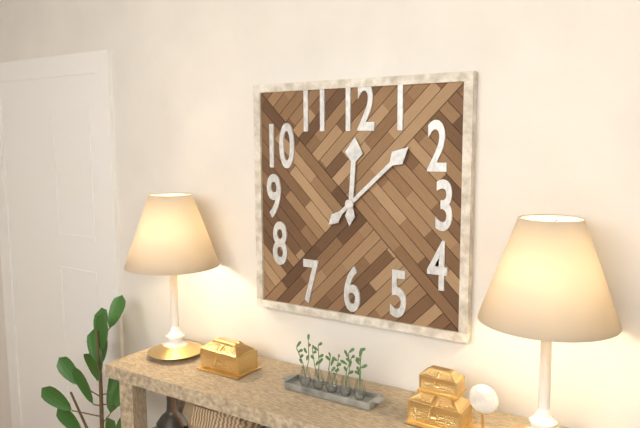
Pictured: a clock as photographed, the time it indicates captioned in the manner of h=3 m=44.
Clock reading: h=12 m=8
